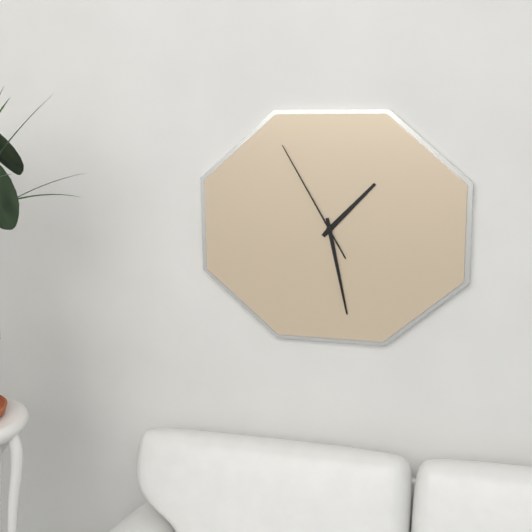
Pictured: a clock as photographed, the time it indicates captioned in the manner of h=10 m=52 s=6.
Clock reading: h=1 m=28 s=55
